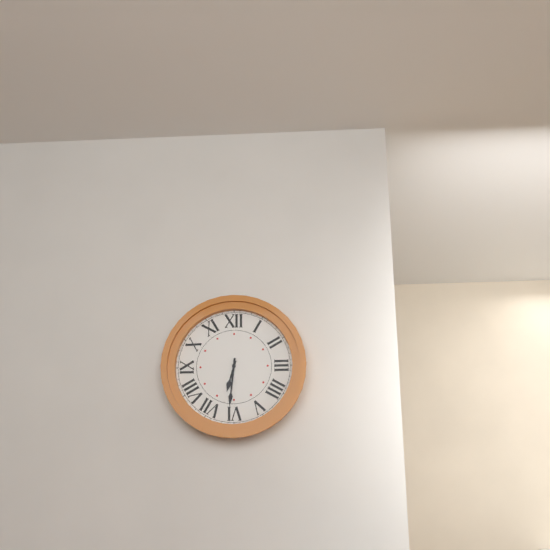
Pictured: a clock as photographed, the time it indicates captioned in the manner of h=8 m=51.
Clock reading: h=6 m=31
